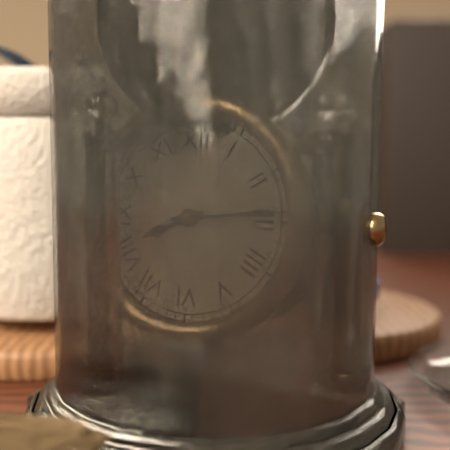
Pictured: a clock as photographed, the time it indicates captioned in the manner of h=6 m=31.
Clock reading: h=8 m=14
